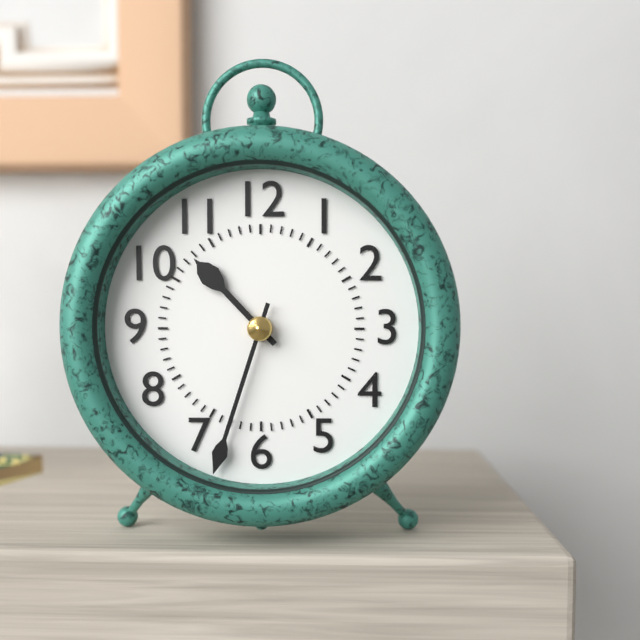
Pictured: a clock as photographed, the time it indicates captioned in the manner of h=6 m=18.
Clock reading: h=10 m=33
